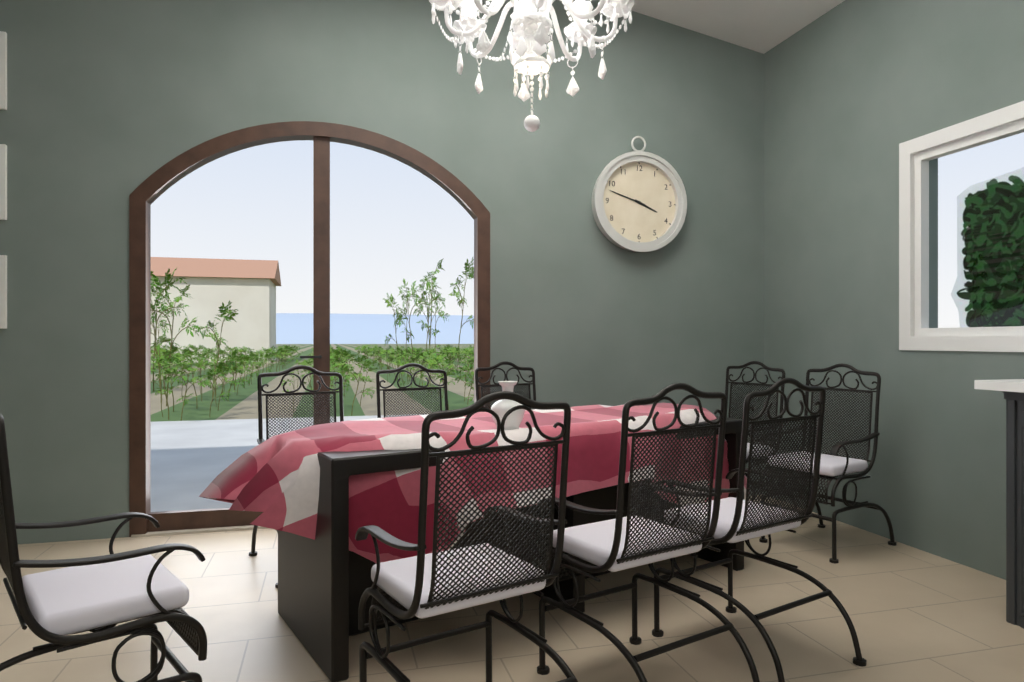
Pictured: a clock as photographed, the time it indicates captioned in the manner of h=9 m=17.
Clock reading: h=3 m=48
